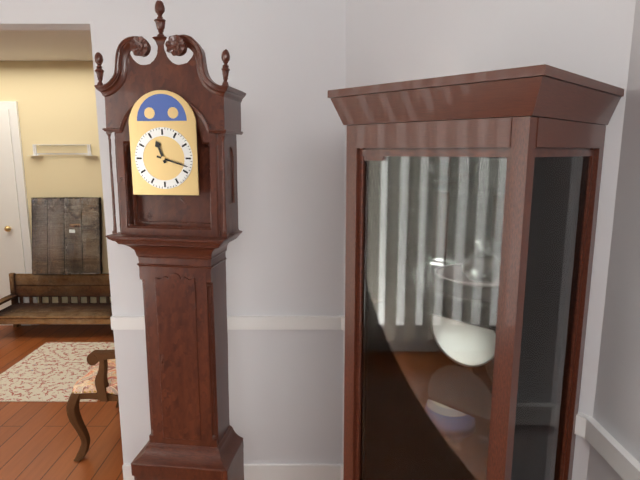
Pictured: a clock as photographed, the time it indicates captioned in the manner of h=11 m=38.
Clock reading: h=11 m=18
